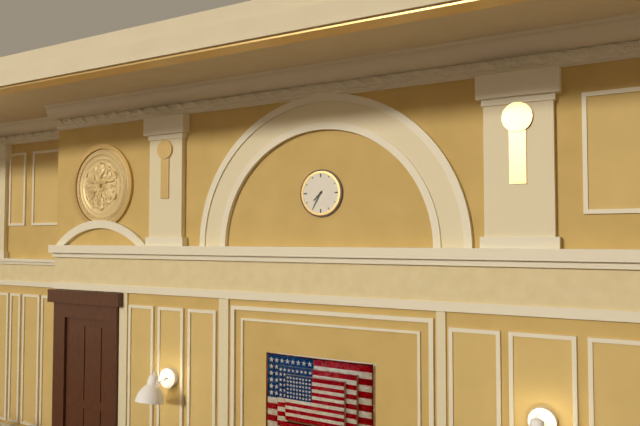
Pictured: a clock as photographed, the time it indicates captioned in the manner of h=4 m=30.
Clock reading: h=7 m=35
